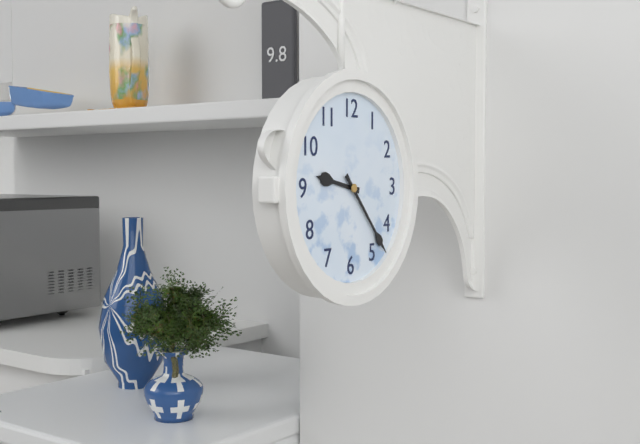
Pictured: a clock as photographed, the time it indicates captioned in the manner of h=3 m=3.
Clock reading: h=9 m=23
